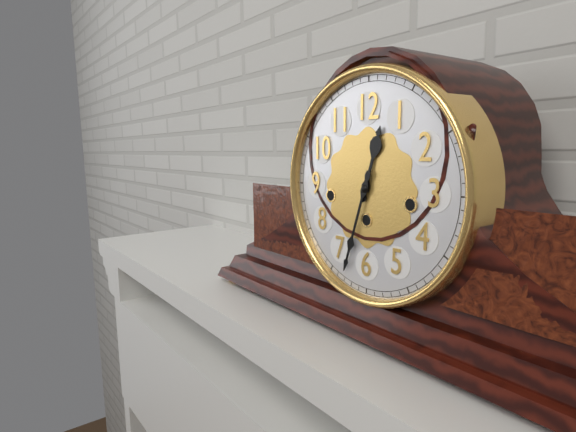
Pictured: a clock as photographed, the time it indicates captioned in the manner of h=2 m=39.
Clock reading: h=12 m=33
